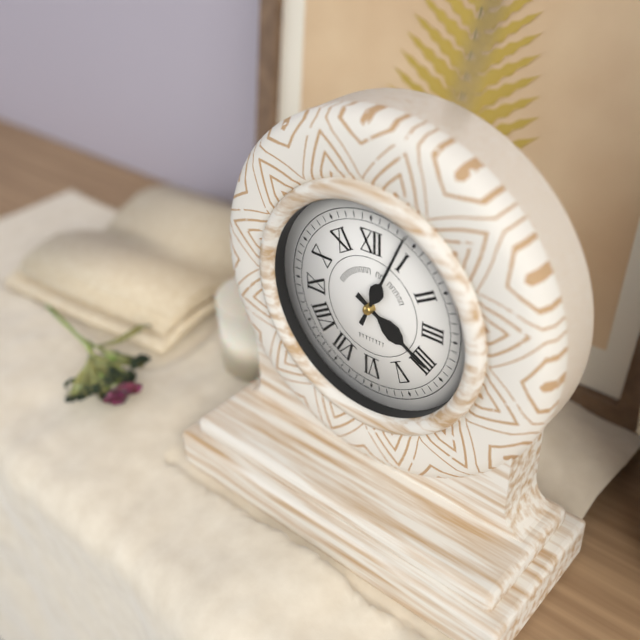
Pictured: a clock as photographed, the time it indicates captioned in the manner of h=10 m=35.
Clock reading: h=4 m=4
